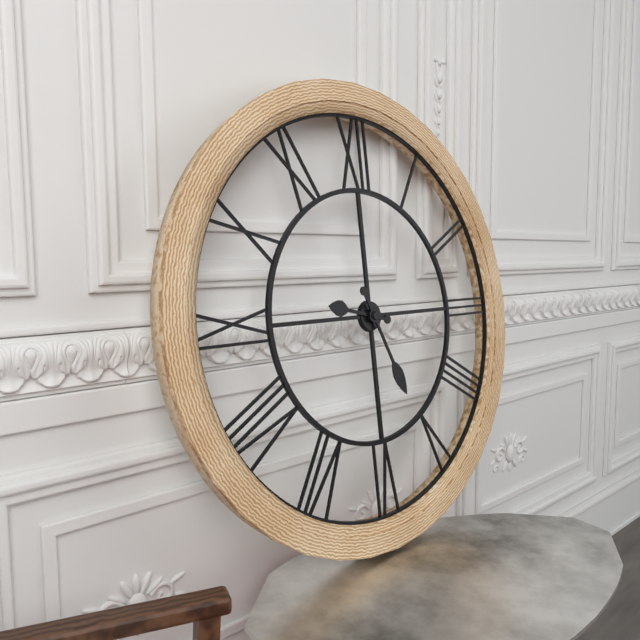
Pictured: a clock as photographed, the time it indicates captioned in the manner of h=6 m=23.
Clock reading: h=9 m=26
